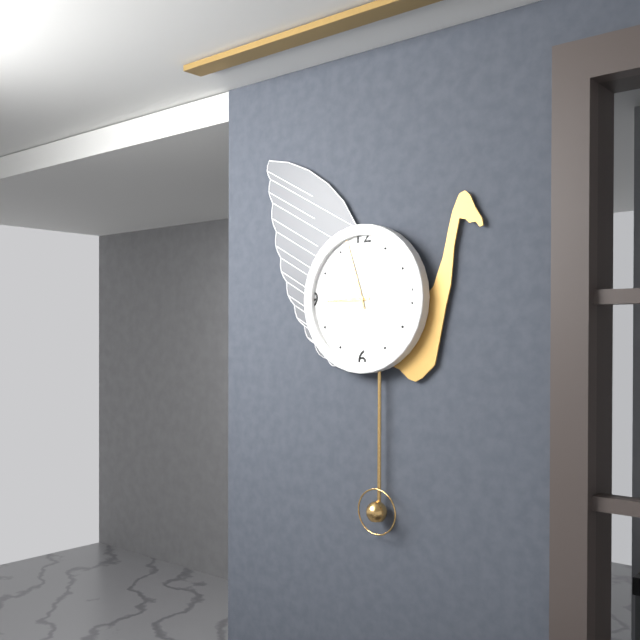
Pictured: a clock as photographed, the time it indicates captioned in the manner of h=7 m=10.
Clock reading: h=8 m=57
